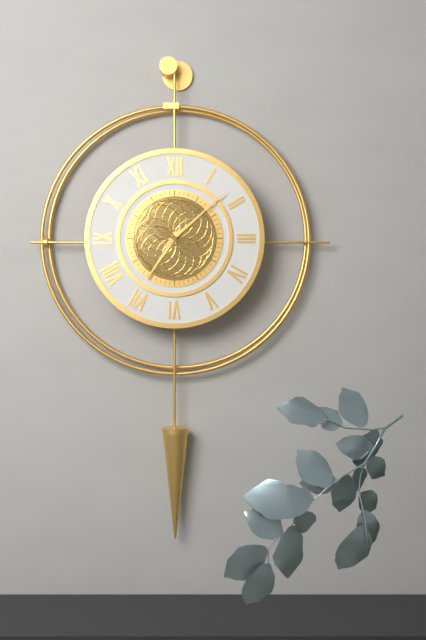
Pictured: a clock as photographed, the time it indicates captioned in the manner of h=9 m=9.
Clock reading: h=7 m=8
